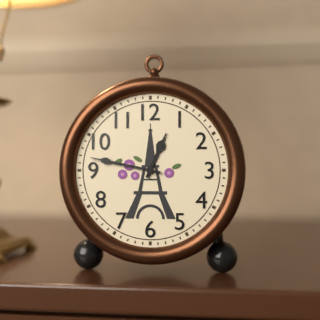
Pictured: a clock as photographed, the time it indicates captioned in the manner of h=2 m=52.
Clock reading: h=12 m=47
